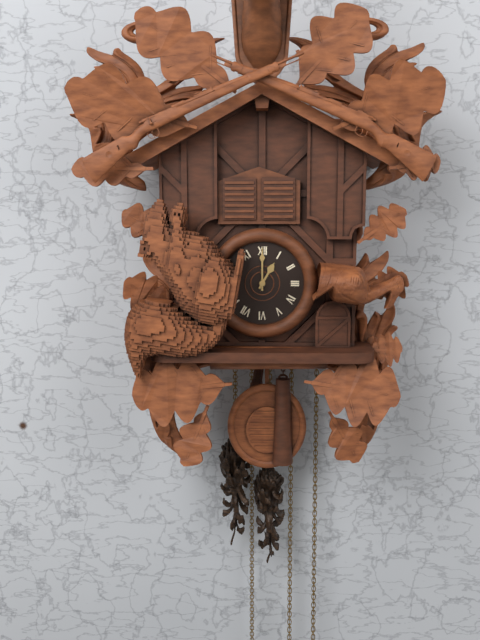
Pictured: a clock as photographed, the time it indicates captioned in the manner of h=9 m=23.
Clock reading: h=1 m=0
